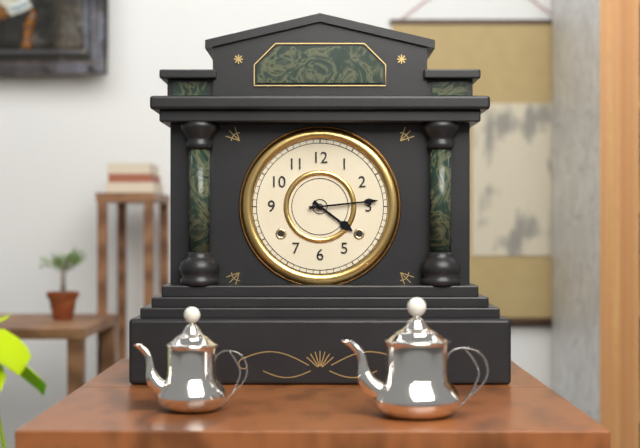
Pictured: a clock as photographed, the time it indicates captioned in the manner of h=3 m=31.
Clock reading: h=4 m=14
